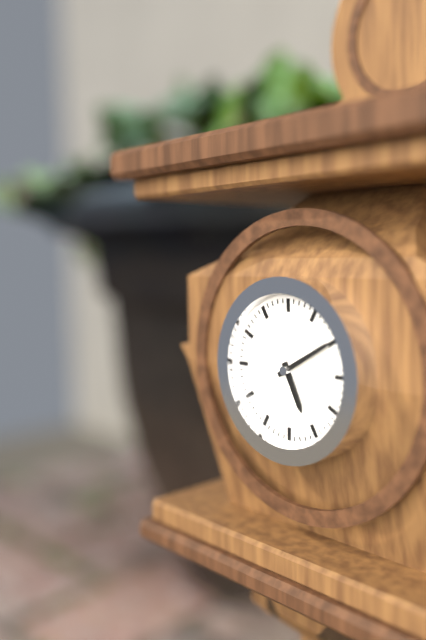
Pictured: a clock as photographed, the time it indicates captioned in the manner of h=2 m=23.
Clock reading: h=5 m=10
